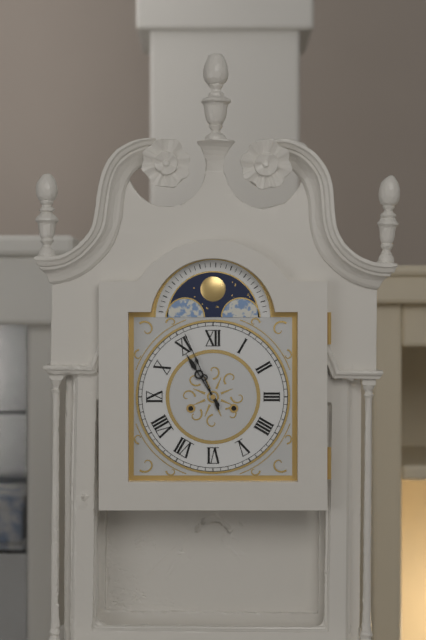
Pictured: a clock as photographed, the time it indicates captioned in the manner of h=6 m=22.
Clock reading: h=10 m=56
